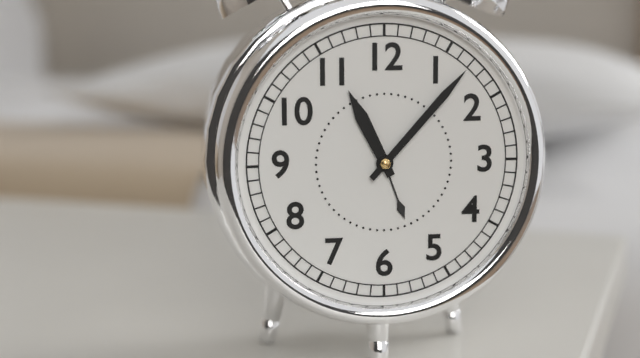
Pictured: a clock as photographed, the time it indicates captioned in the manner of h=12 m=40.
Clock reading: h=11 m=7
